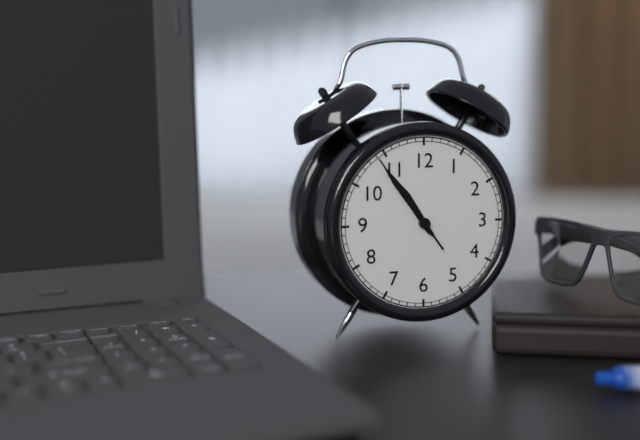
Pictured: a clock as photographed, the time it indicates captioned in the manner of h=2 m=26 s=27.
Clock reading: h=10 m=54 s=54
